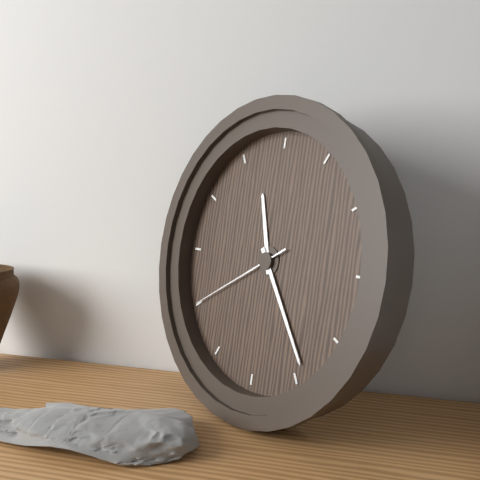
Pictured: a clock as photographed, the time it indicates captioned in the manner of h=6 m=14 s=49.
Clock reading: h=11 m=24 s=40
